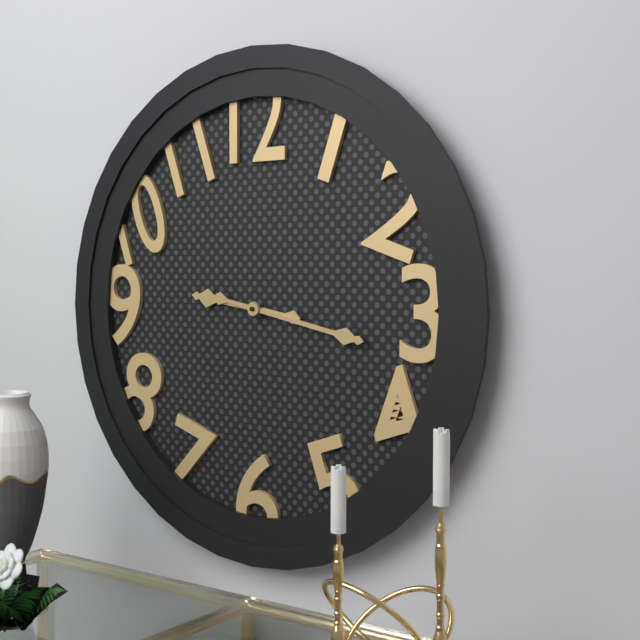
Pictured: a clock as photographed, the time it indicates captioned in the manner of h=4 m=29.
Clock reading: h=9 m=17
